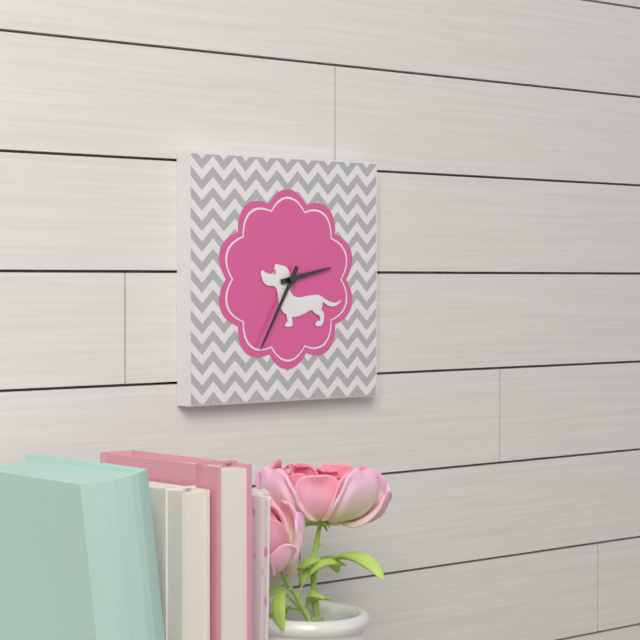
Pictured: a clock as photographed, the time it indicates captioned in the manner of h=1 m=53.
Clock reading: h=2 m=35
